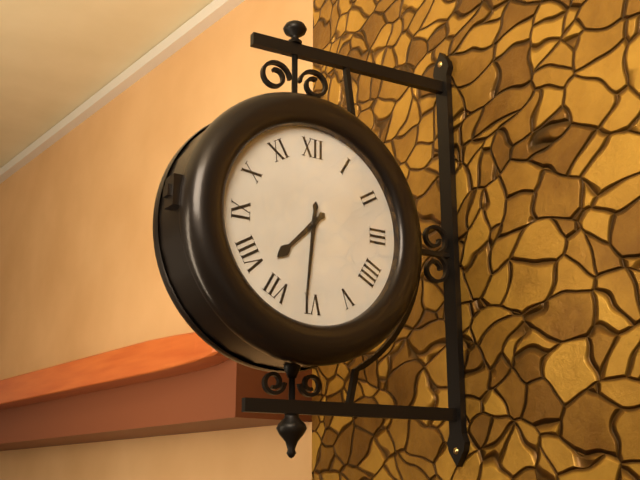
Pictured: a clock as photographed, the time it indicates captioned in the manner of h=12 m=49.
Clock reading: h=7 m=31
